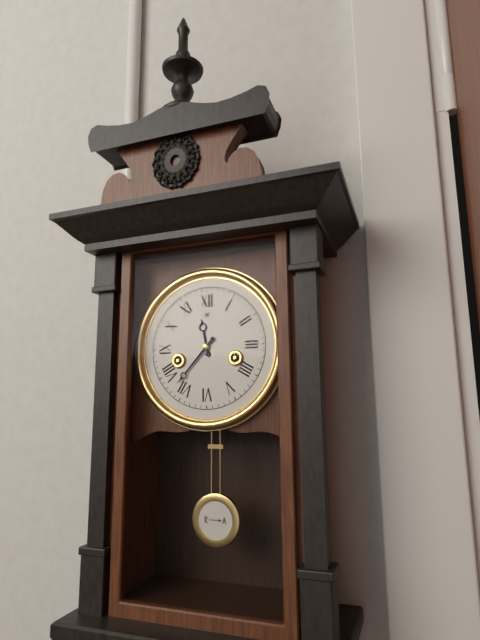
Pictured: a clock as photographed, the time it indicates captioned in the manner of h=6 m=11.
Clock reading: h=11 m=37
